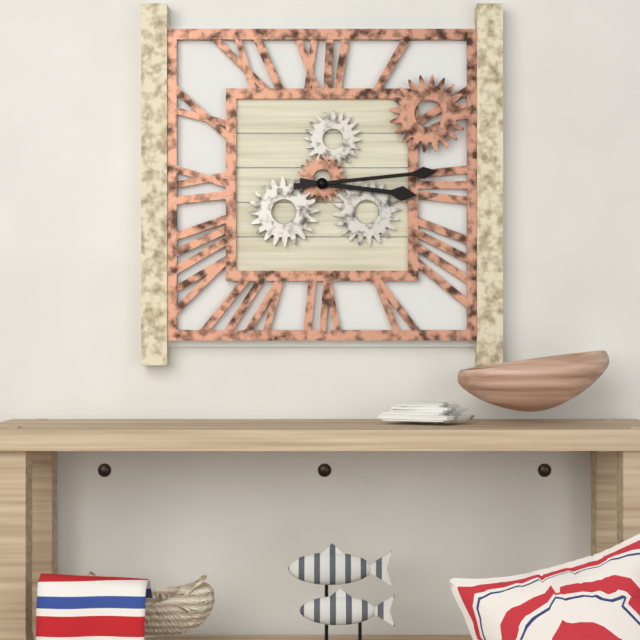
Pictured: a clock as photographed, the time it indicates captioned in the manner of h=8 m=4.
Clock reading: h=3 m=14
